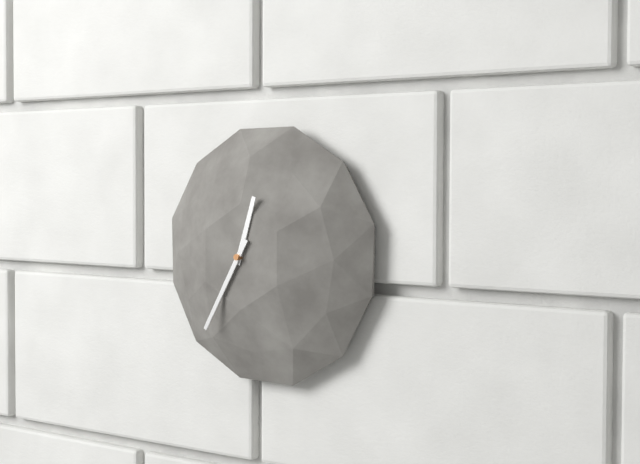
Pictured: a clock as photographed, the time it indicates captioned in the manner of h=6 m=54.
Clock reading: h=12 m=35
